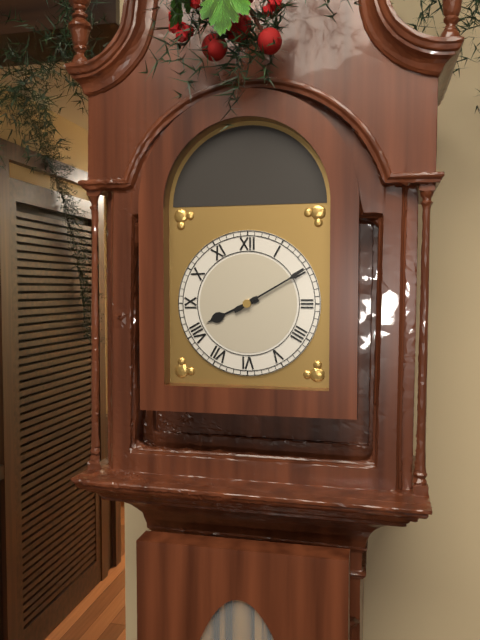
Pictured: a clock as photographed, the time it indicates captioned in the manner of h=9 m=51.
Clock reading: h=8 m=10
